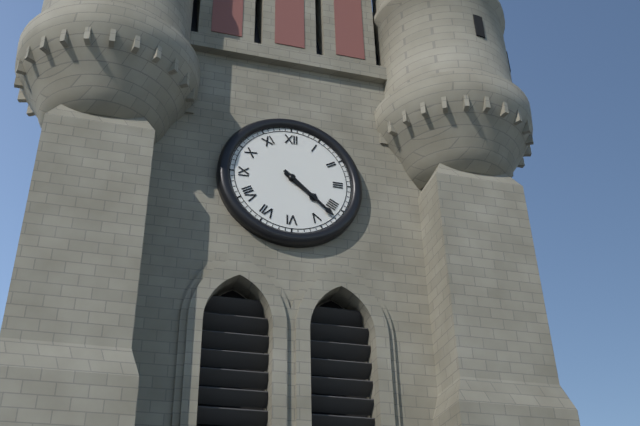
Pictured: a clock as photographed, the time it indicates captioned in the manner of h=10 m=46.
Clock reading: h=4 m=22
